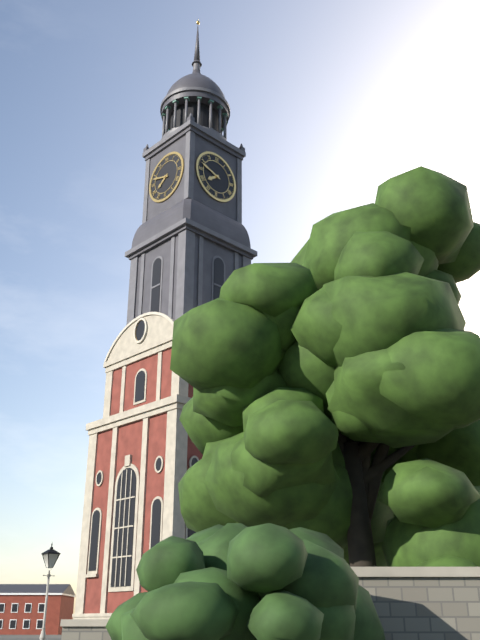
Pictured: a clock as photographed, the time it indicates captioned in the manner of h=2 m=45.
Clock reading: h=7 m=48
